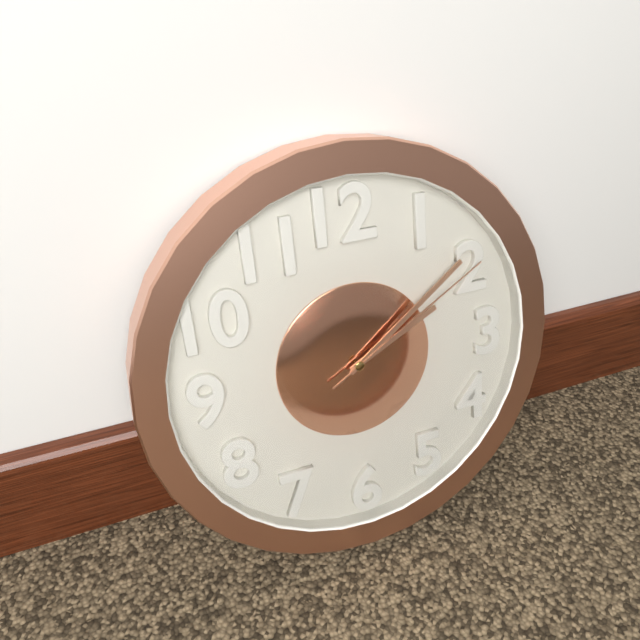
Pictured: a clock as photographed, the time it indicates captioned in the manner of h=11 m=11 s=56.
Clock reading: h=2 m=9 s=10
